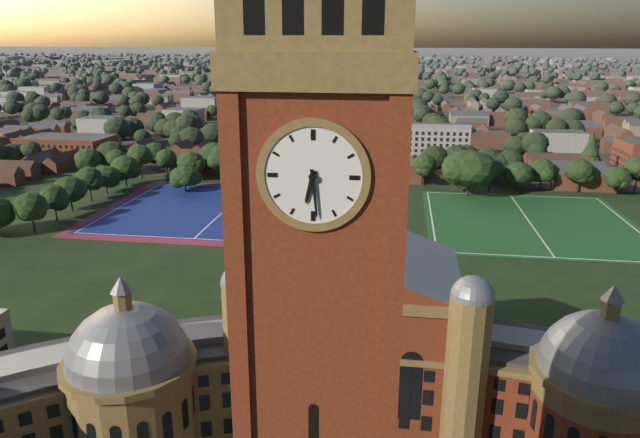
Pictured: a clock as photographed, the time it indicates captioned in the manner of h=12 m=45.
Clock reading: h=6 m=29
